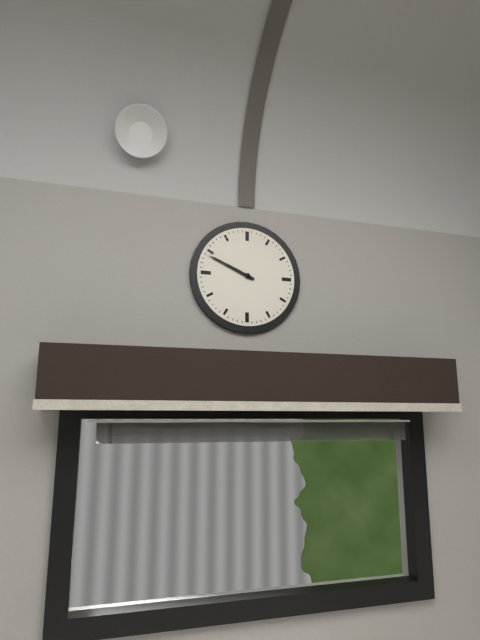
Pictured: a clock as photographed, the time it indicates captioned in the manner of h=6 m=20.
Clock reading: h=9 m=49
